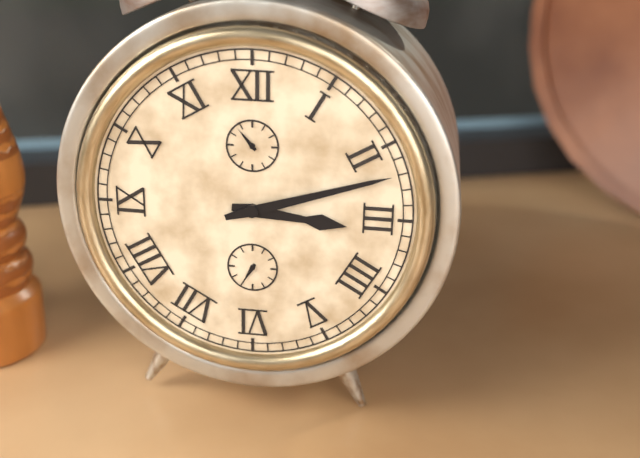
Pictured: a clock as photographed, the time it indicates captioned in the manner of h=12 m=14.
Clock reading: h=3 m=12
